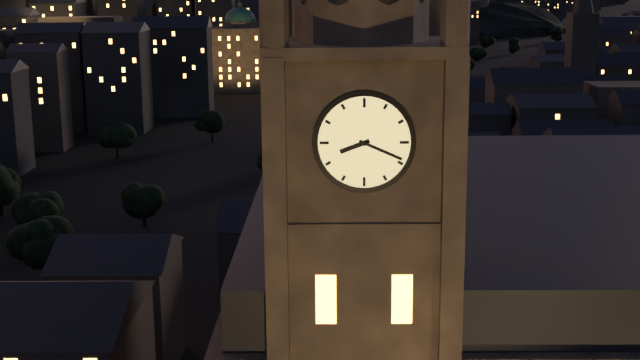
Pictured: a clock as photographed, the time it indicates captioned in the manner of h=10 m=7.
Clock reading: h=8 m=19
